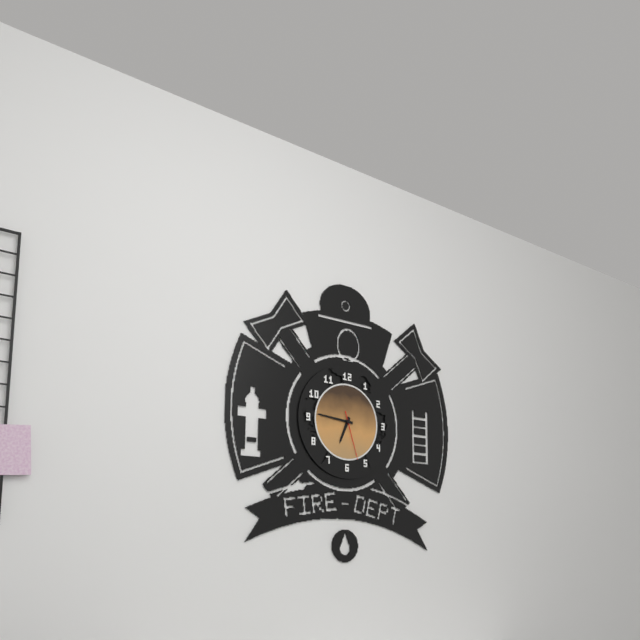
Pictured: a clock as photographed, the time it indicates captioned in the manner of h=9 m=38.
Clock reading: h=6 m=46
